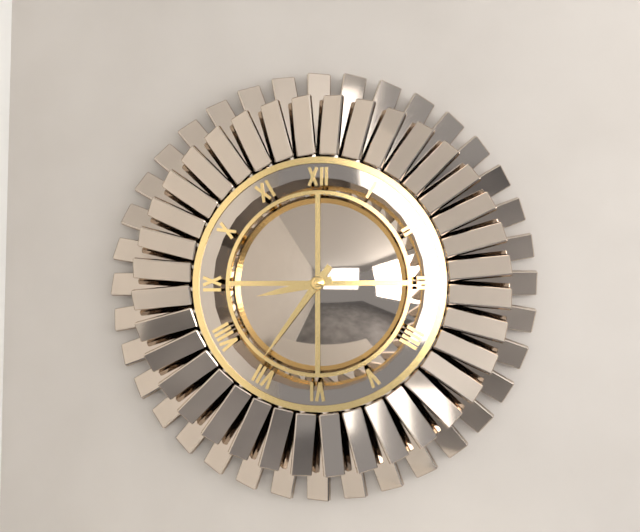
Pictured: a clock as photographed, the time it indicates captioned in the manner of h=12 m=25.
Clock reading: h=8 m=36
